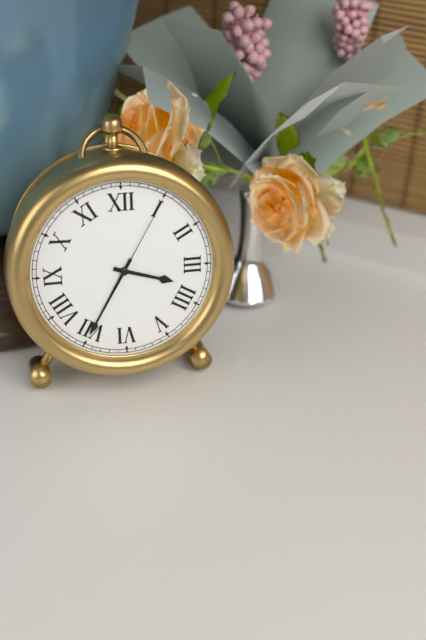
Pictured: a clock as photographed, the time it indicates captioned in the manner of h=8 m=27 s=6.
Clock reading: h=3 m=35 s=5
